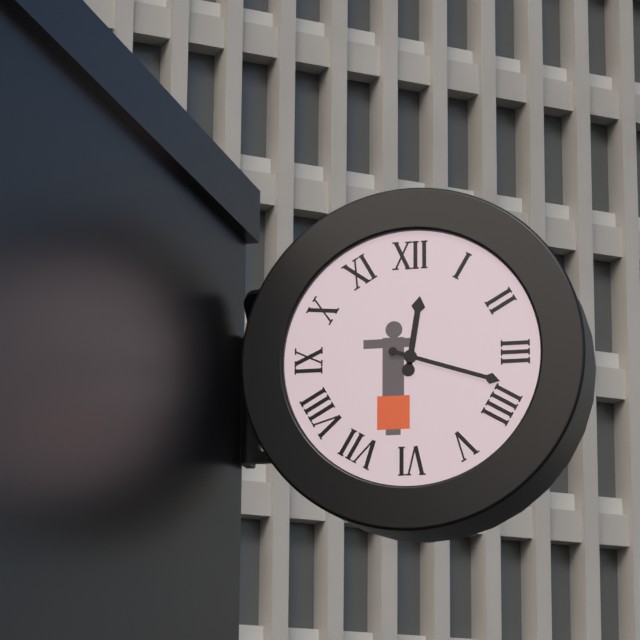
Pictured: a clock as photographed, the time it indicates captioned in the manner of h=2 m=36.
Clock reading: h=12 m=18
